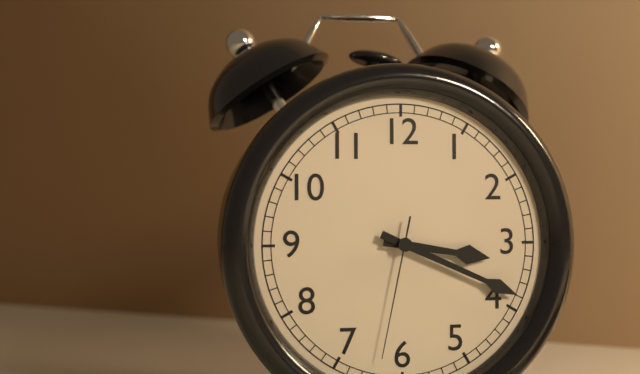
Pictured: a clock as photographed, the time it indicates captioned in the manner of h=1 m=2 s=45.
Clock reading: h=3 m=19 s=32
